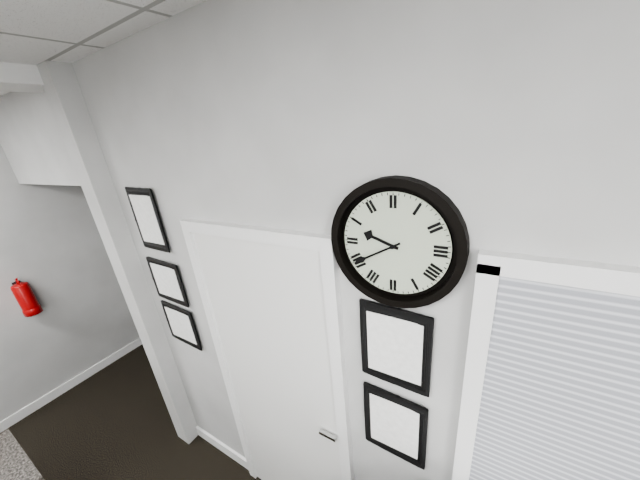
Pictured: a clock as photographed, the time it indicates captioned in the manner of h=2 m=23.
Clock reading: h=9 m=40
